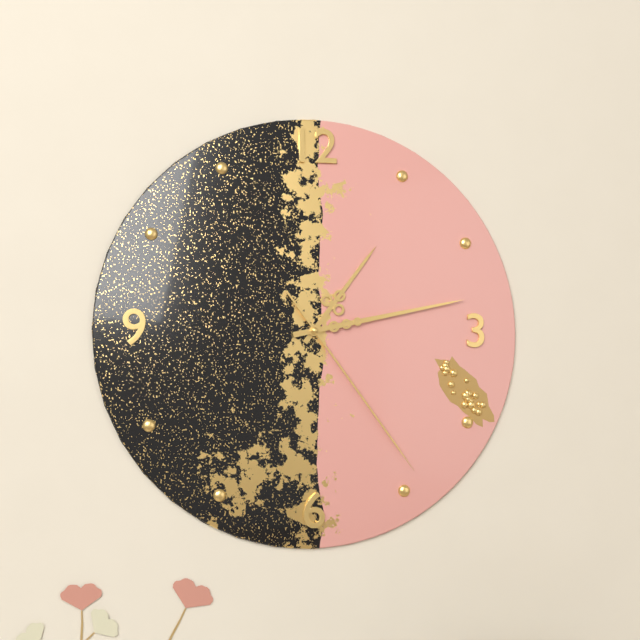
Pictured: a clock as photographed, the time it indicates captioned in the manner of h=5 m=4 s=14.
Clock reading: h=1 m=13 s=24
